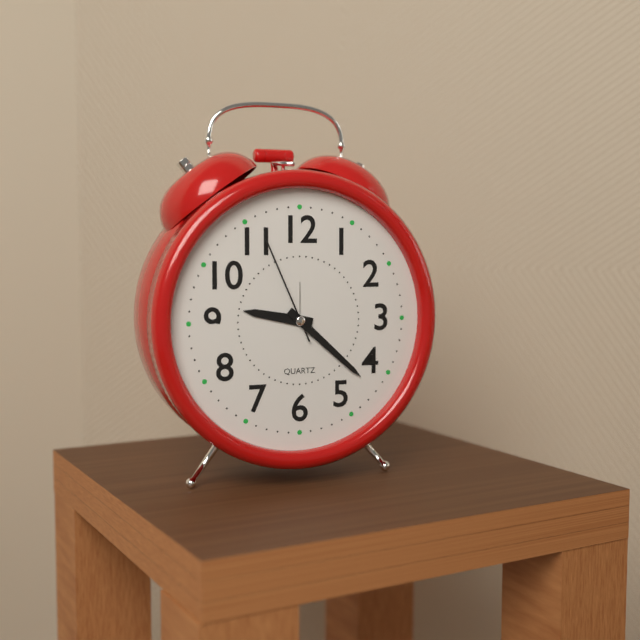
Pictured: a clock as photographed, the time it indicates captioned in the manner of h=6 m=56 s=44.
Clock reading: h=9 m=22 s=56
